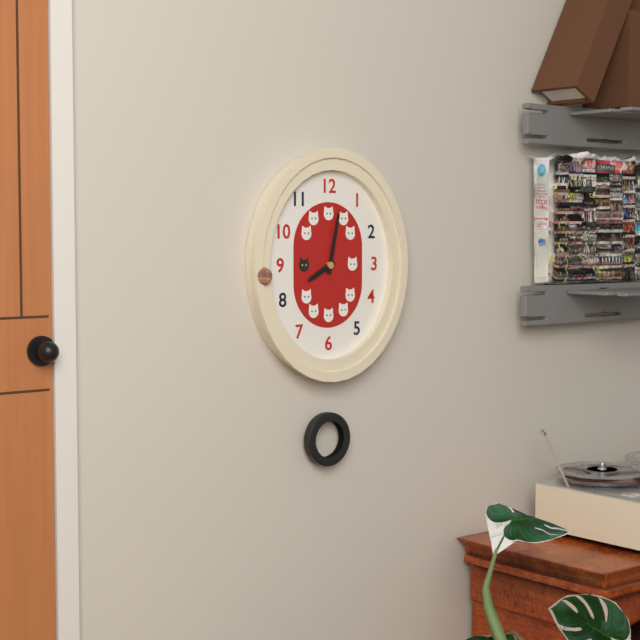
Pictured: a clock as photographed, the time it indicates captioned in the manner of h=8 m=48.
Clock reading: h=8 m=2
